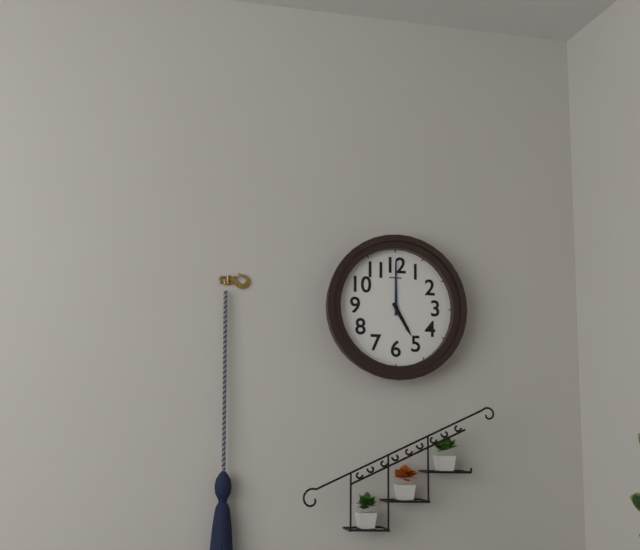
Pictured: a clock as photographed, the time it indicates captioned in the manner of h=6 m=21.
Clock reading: h=5 m=0
